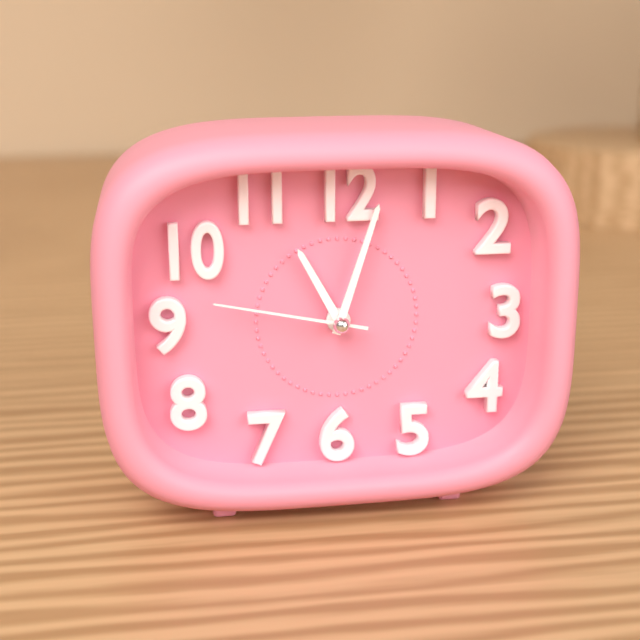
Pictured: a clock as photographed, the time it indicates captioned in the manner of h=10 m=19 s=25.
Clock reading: h=11 m=3 s=47
